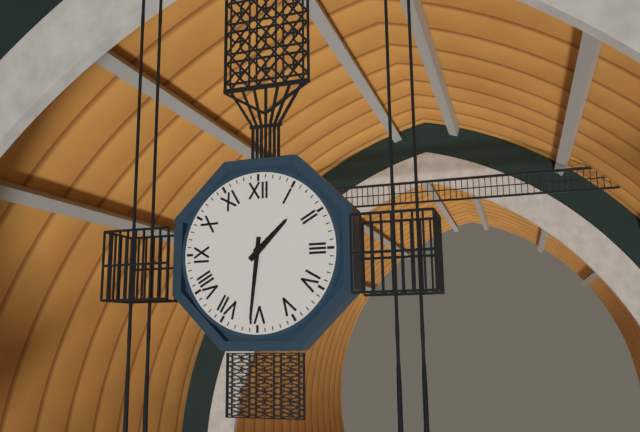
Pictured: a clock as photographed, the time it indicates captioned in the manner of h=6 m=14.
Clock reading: h=1 m=31
